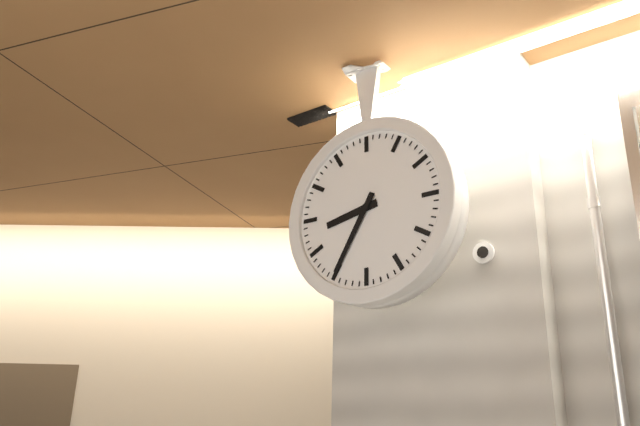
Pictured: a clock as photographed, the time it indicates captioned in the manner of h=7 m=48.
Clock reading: h=8 m=35
